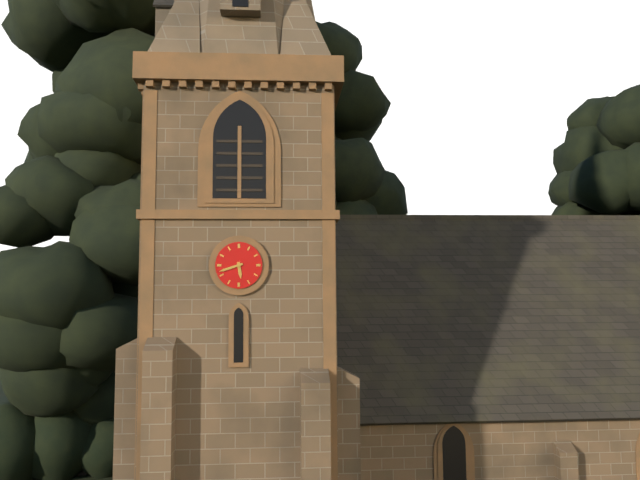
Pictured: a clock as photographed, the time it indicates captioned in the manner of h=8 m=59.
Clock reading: h=5 m=42
